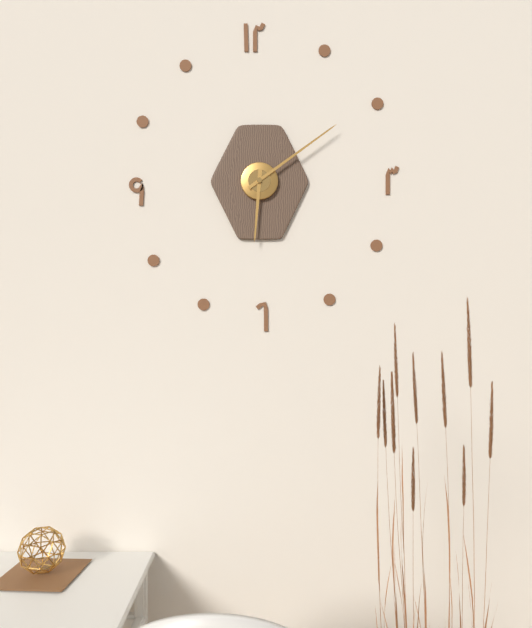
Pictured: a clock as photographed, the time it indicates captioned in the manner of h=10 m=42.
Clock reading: h=6 m=9
